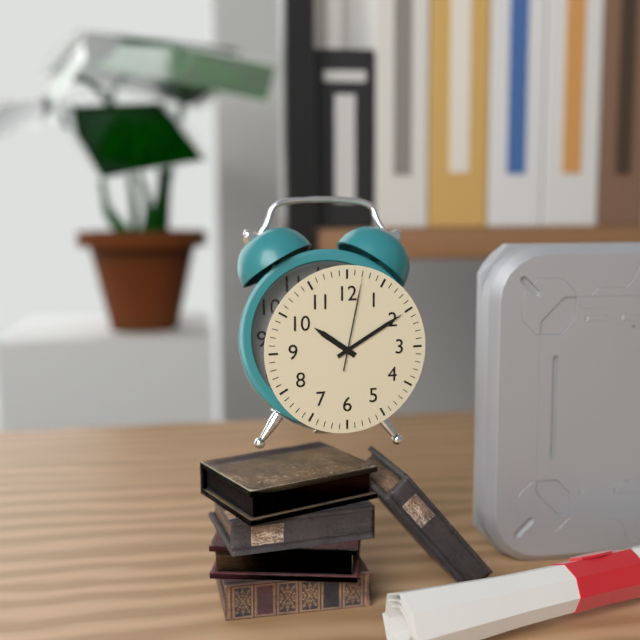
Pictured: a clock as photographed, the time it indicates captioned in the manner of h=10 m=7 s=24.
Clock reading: h=10 m=10 s=2
